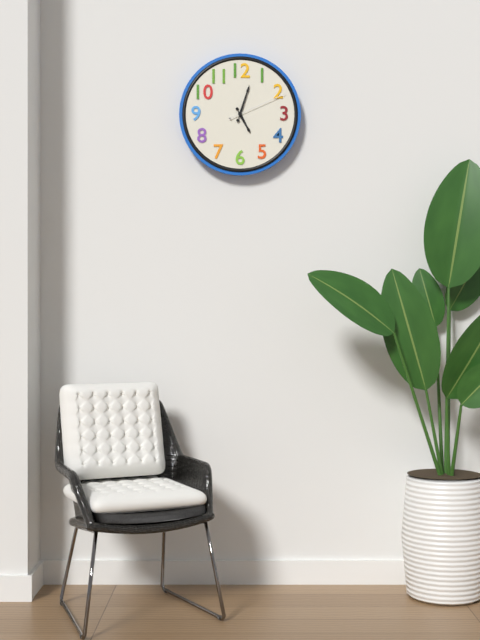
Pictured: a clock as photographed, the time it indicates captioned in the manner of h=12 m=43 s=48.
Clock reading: h=5 m=3 s=11
